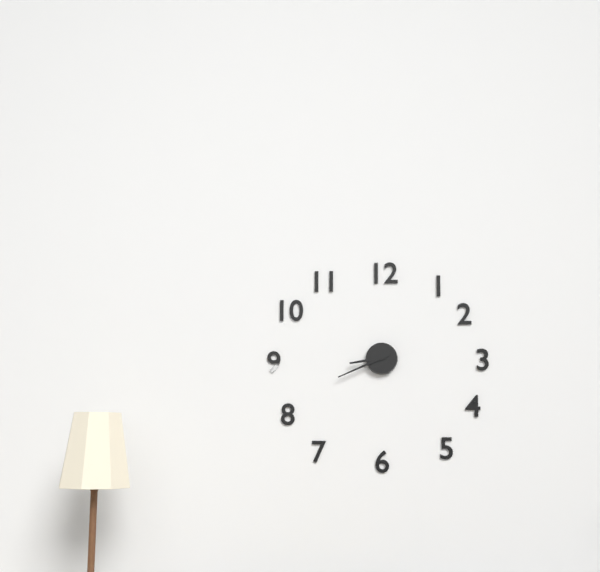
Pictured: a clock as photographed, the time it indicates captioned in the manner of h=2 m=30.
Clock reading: h=8 m=41
